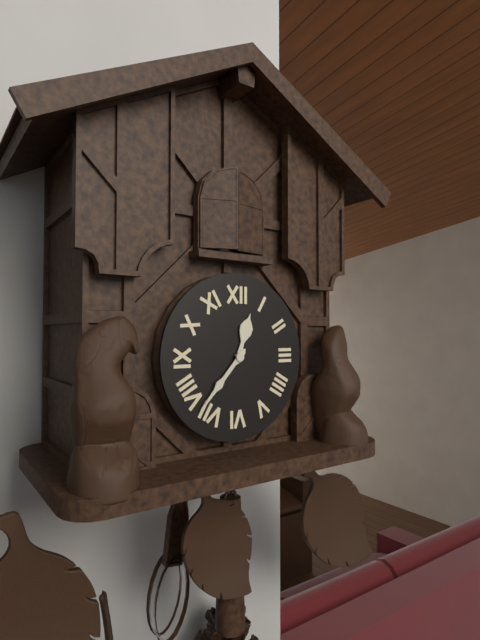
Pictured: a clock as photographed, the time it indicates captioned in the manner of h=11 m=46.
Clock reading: h=12 m=37
